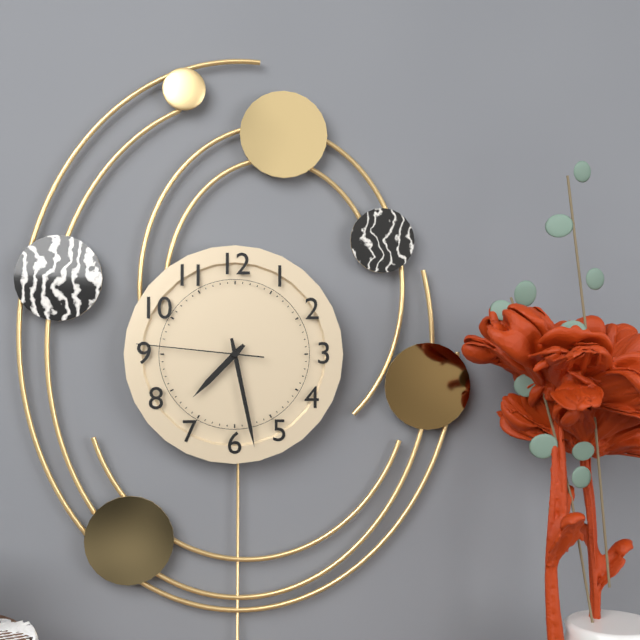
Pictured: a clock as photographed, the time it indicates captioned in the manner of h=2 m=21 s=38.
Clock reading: h=7 m=28 s=46
